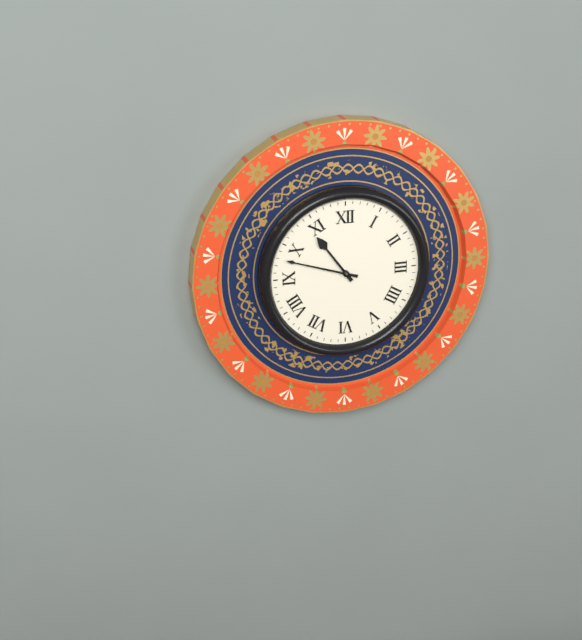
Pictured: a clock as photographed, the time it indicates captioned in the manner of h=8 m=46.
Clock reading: h=10 m=48
